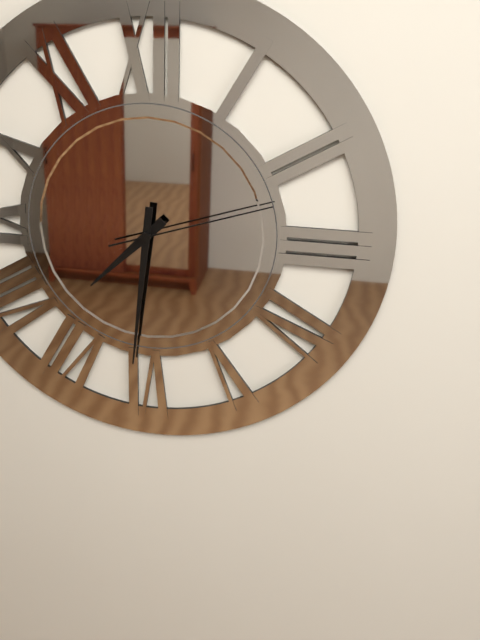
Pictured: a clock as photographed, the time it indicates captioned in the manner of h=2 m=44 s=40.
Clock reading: h=7 m=31 s=12
